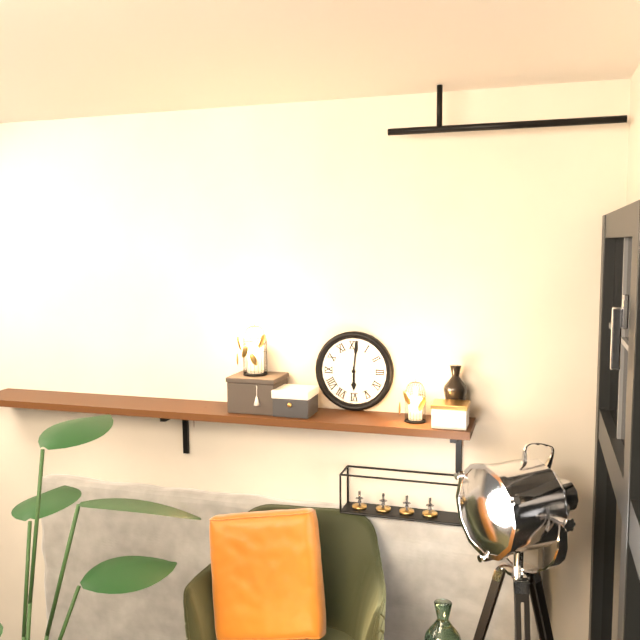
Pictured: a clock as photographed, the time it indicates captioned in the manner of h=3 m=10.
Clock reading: h=6 m=1
